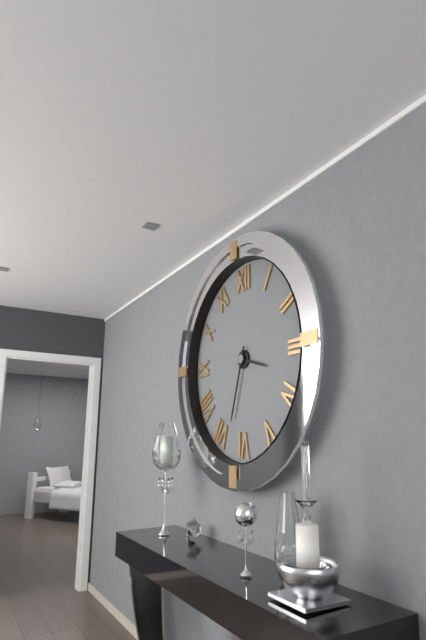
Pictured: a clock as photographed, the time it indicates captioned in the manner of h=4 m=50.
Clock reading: h=3 m=33
